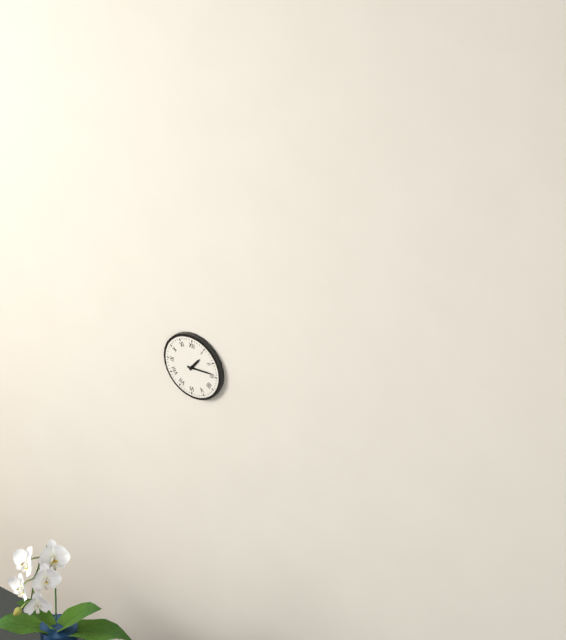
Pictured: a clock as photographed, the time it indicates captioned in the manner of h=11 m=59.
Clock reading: h=1 m=14
